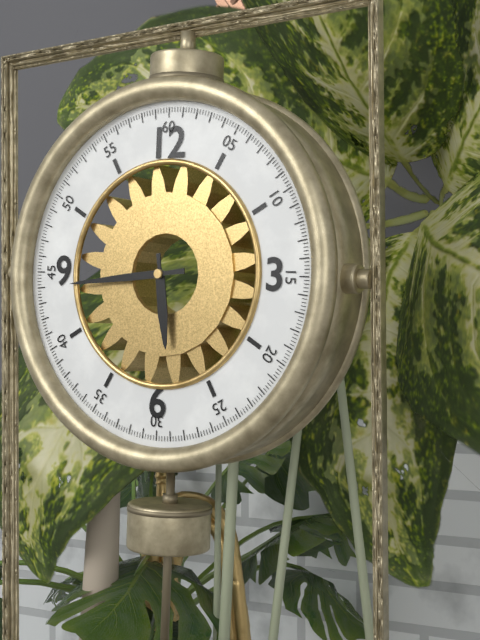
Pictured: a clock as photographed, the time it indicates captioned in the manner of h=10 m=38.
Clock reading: h=5 m=44
